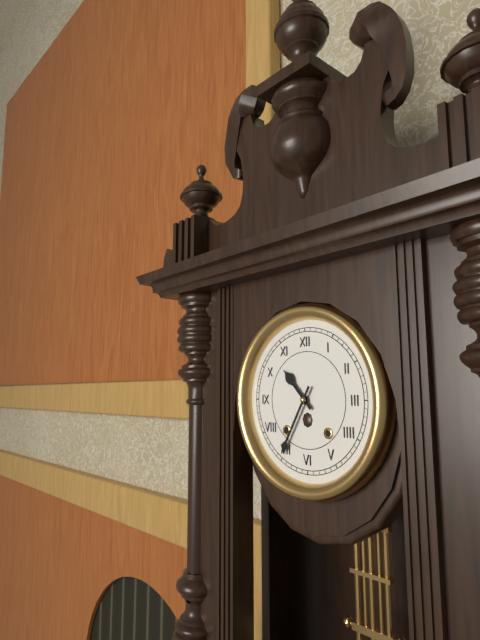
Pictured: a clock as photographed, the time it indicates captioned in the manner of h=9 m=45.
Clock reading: h=10 m=35
